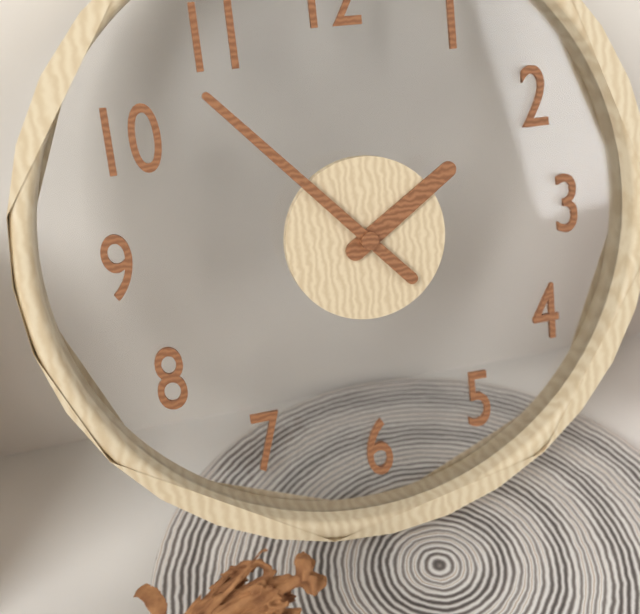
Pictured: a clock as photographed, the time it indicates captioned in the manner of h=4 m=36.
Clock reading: h=1 m=53
